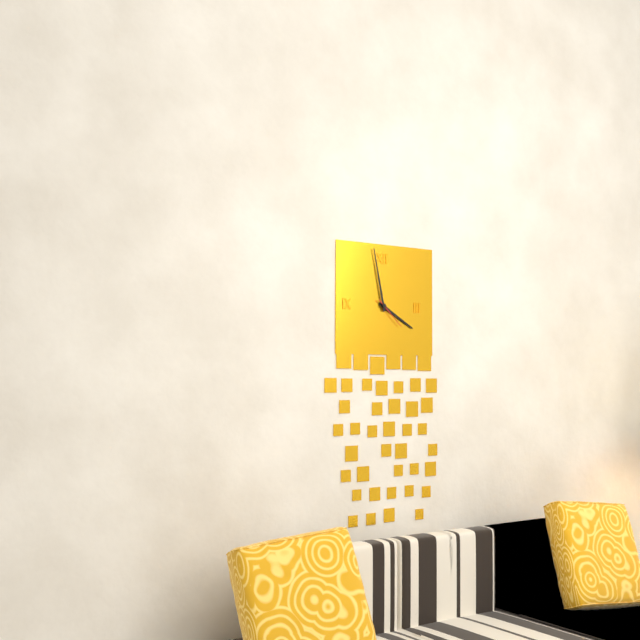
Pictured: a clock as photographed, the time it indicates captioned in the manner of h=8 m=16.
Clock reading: h=3 m=58
